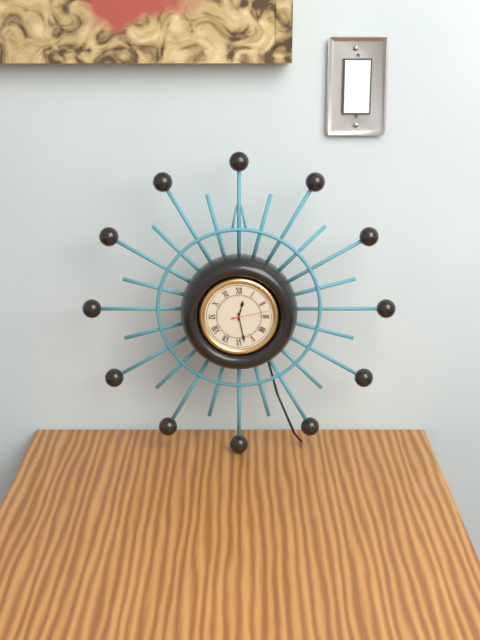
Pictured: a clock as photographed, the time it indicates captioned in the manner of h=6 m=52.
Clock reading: h=12 m=28
